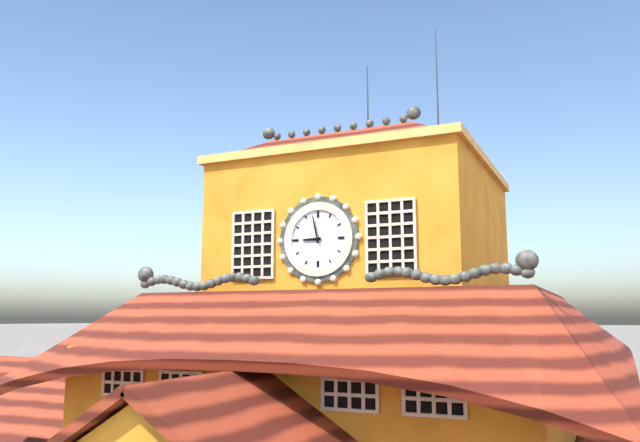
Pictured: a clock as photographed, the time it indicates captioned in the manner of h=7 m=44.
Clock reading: h=8 m=58
